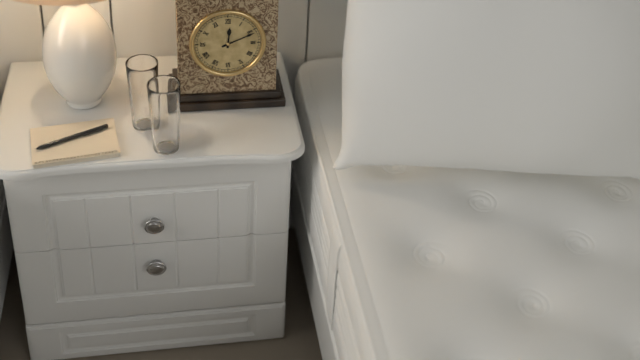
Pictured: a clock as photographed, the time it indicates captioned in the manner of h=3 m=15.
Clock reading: h=12 m=11
